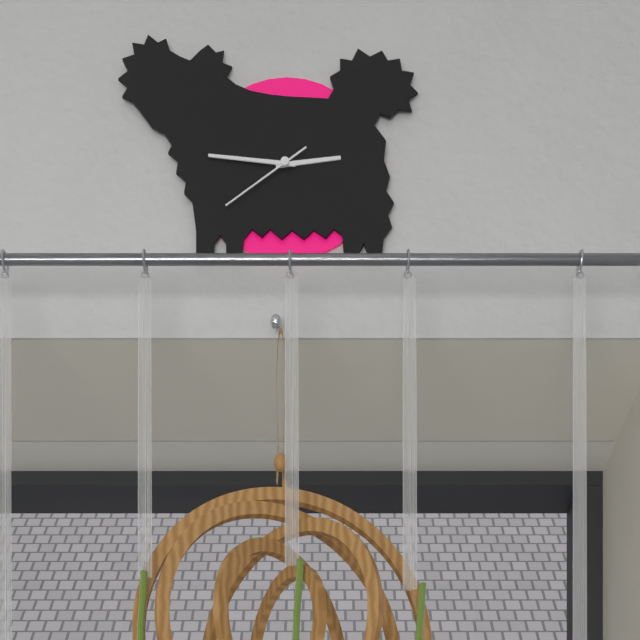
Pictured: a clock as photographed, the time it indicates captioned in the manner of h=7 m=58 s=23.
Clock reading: h=2 m=46 s=39
